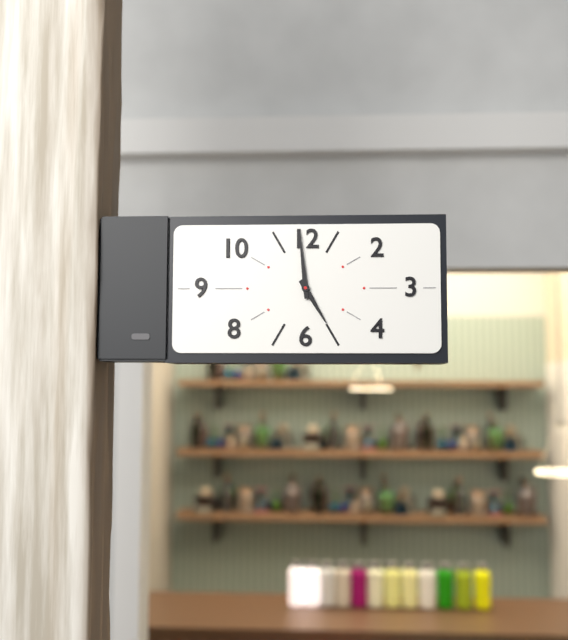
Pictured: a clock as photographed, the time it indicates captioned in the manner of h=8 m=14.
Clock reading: h=4 m=59
